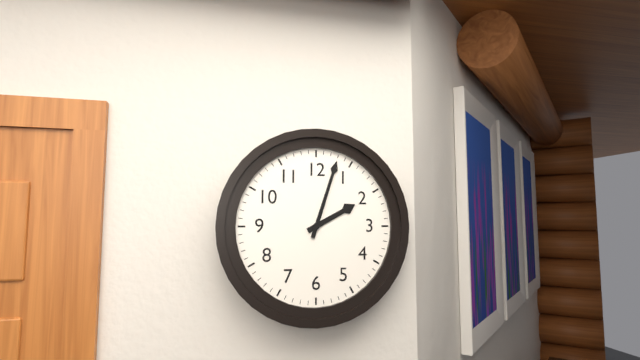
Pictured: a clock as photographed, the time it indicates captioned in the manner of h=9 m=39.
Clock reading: h=2 m=3
